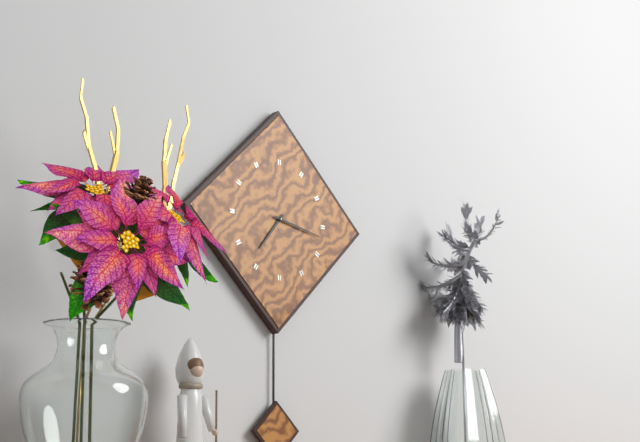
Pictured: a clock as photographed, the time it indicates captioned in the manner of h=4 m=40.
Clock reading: h=7 m=17
